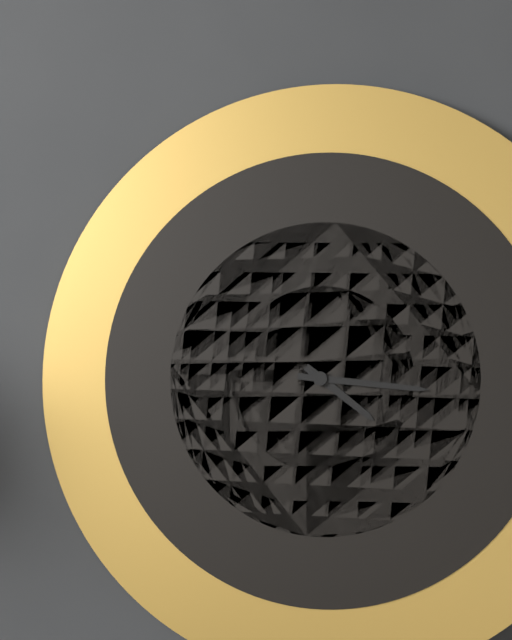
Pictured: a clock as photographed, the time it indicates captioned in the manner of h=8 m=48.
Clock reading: h=4 m=16
